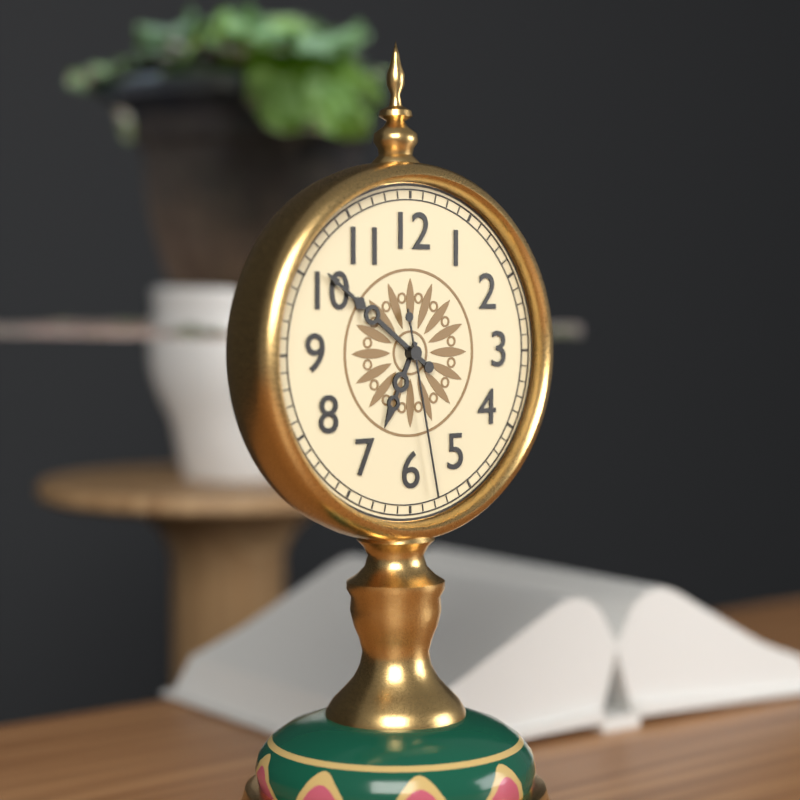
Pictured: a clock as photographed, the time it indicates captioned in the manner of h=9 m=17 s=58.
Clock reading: h=6 m=51 s=28
